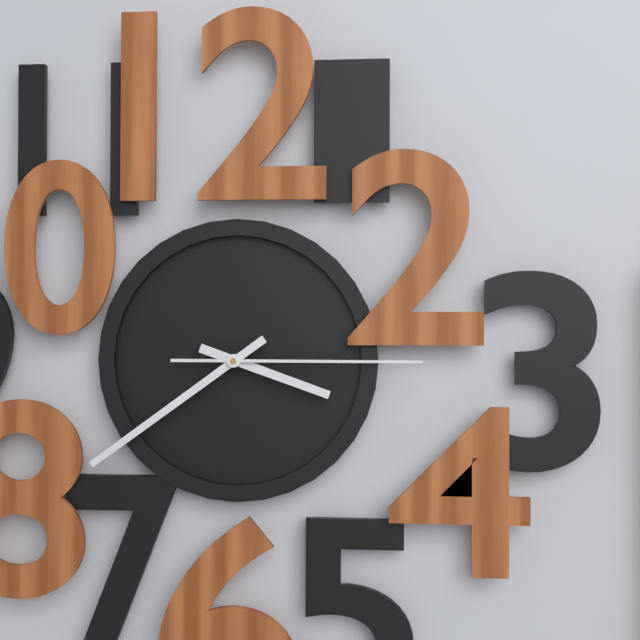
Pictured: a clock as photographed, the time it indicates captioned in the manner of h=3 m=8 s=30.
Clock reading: h=3 m=39 s=15
